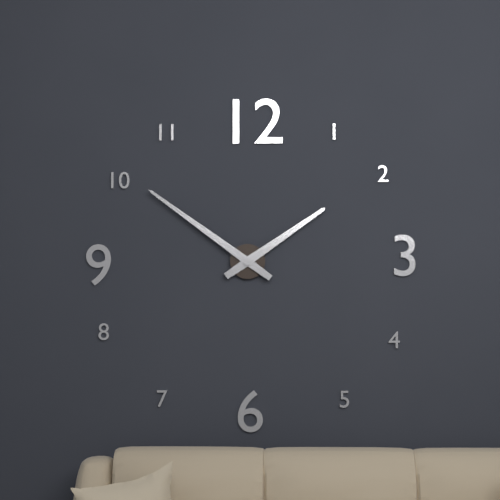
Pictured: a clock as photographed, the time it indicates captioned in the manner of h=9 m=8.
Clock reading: h=1 m=51
